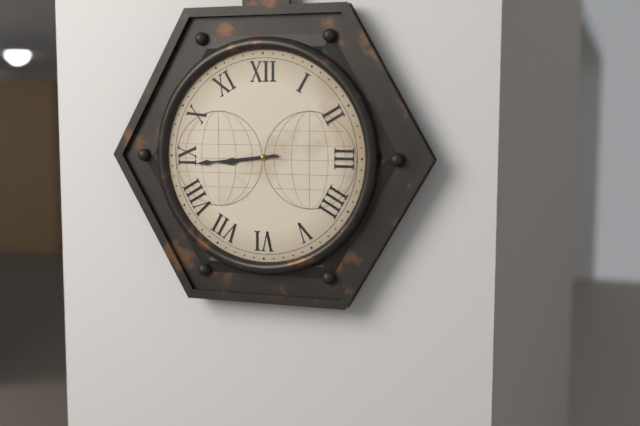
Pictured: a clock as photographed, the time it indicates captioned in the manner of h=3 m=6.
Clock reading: h=8 m=44
